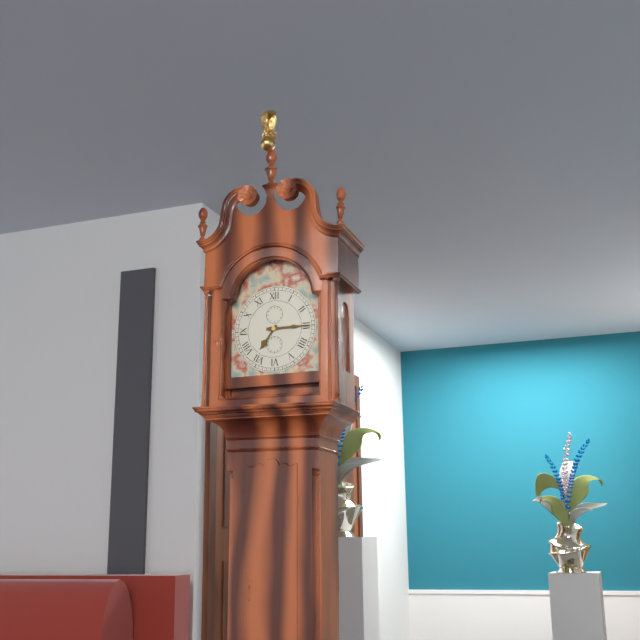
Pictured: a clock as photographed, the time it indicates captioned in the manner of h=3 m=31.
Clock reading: h=7 m=15
